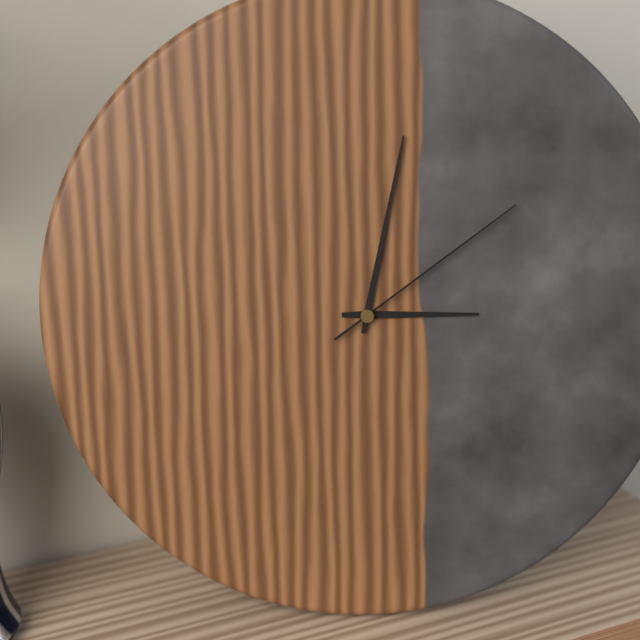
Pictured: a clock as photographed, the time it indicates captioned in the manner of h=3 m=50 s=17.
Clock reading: h=3 m=2 s=9
